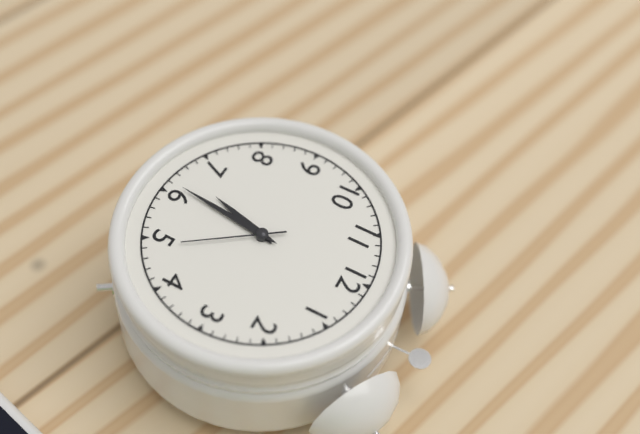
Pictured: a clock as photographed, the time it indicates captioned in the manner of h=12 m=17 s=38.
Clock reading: h=6 m=31 s=24
